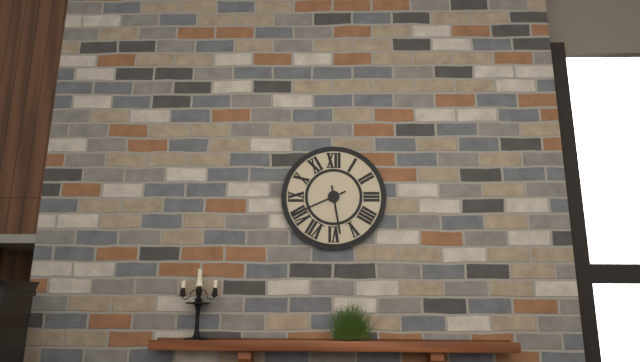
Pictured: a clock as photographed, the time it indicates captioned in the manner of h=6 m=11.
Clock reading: h=5 m=41
